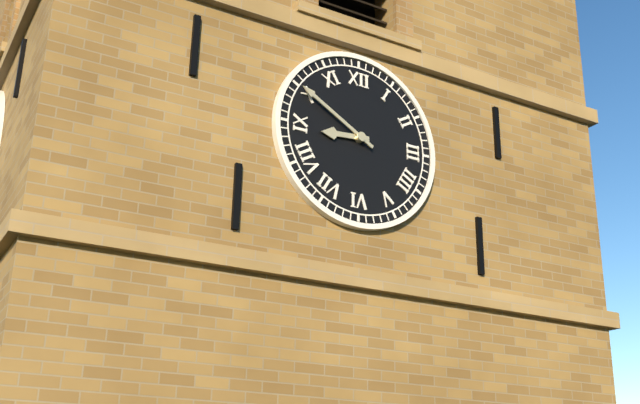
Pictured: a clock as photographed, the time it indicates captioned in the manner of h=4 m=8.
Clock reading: h=8 m=50
